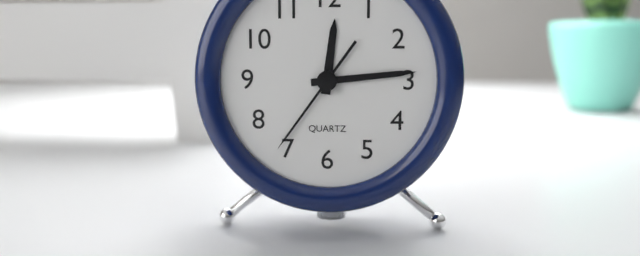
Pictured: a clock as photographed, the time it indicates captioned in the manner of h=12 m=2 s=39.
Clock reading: h=12 m=14 s=36
